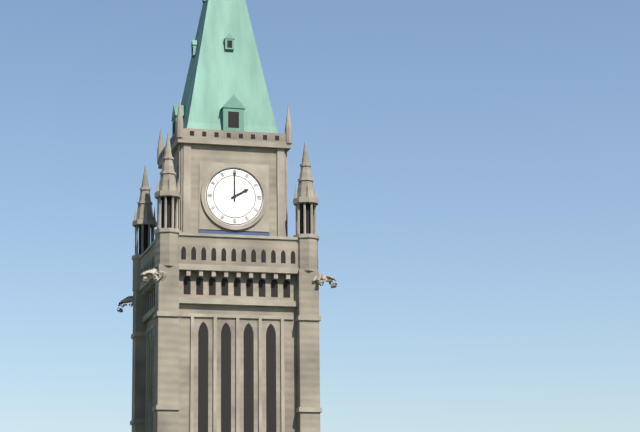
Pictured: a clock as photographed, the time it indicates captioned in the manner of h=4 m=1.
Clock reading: h=2 m=0
